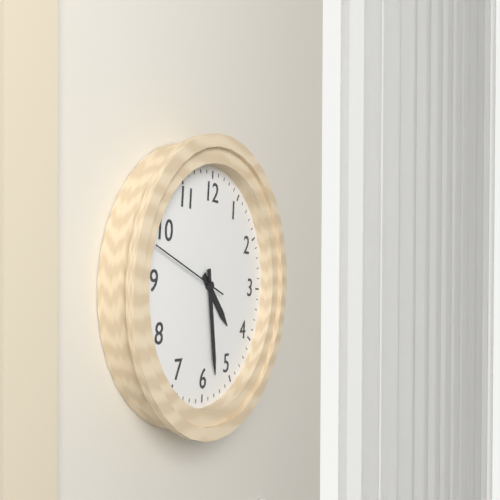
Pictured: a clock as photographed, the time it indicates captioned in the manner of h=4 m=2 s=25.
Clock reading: h=4 m=28 s=48
